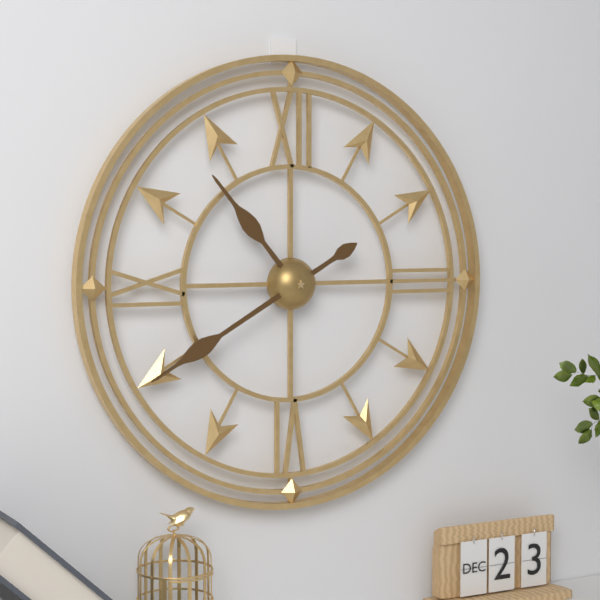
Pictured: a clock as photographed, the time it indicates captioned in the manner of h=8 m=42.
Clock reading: h=10 m=40
